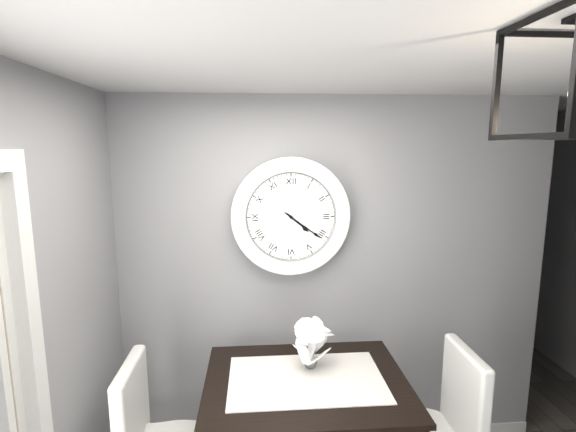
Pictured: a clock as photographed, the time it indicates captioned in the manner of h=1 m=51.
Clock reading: h=4 m=21
